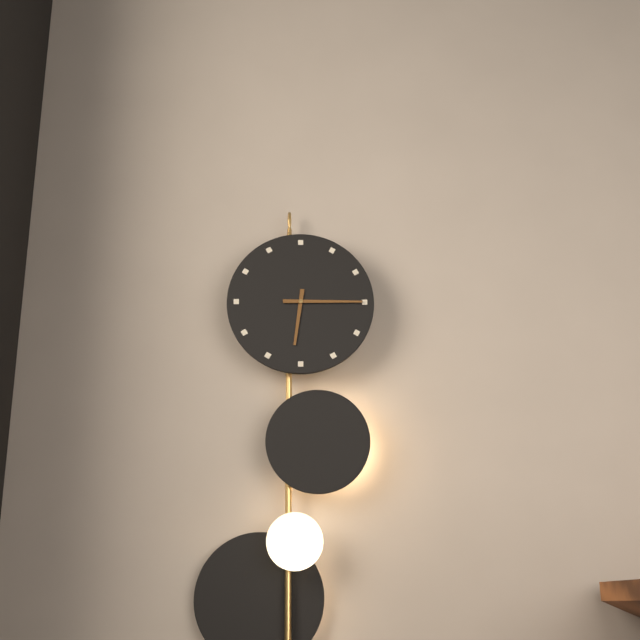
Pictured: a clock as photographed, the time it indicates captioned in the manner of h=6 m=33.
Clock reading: h=6 m=15
